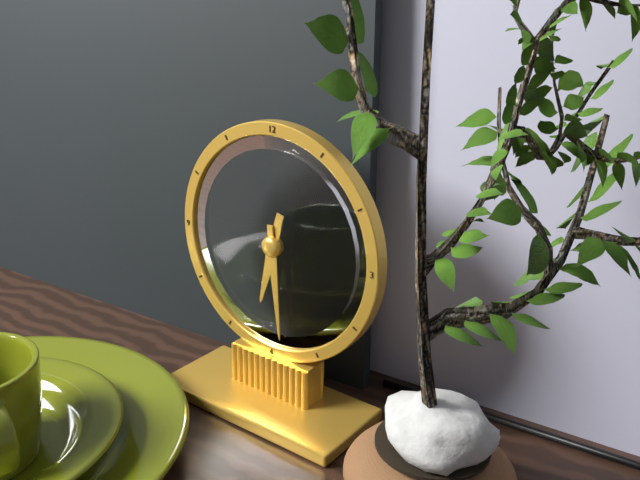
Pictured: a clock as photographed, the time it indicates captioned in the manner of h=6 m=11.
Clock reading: h=6 m=29
